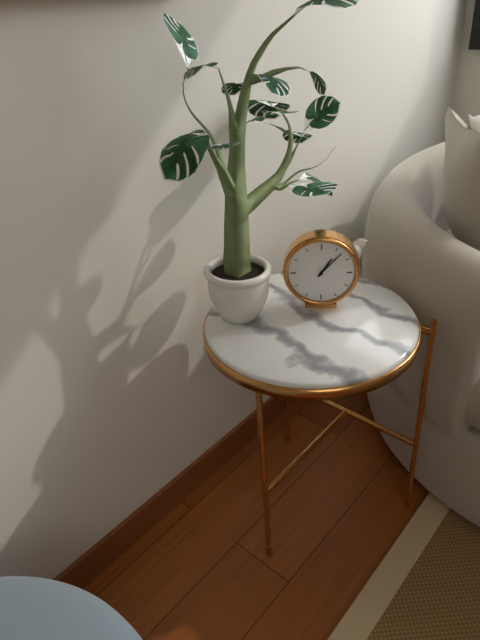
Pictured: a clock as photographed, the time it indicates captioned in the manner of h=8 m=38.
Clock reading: h=1 m=7
